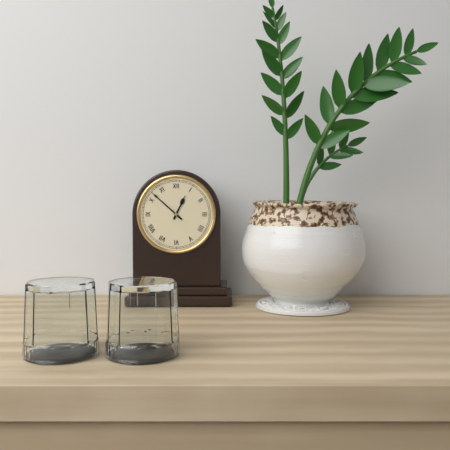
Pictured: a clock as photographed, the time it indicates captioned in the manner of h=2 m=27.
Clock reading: h=12 m=52
